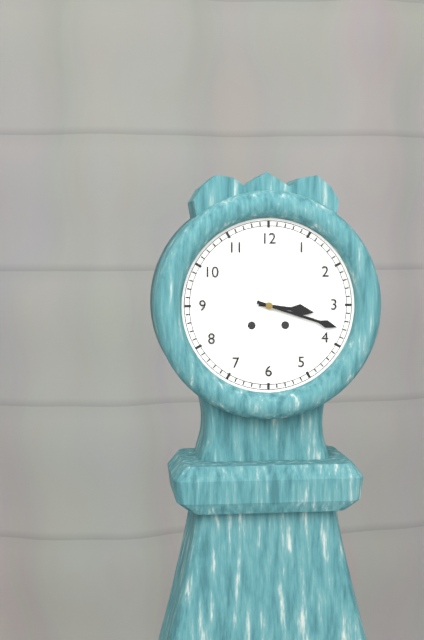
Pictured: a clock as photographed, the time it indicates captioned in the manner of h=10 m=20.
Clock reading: h=3 m=18
